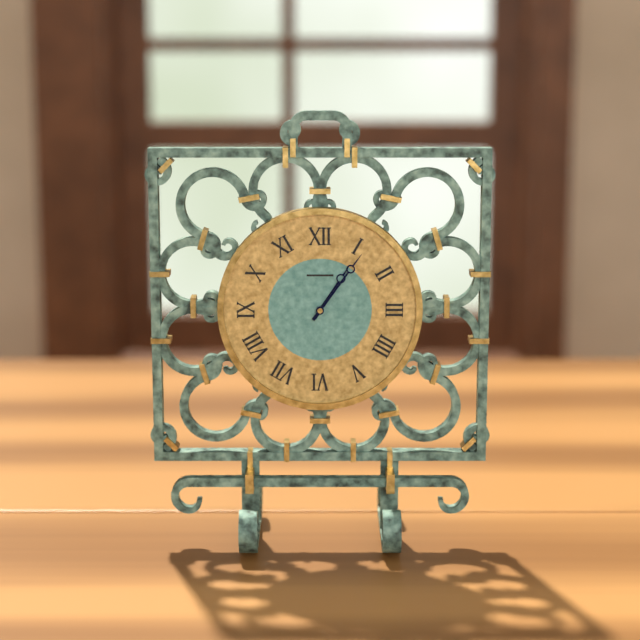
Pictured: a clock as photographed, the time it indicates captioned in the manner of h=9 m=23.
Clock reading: h=1 m=6
